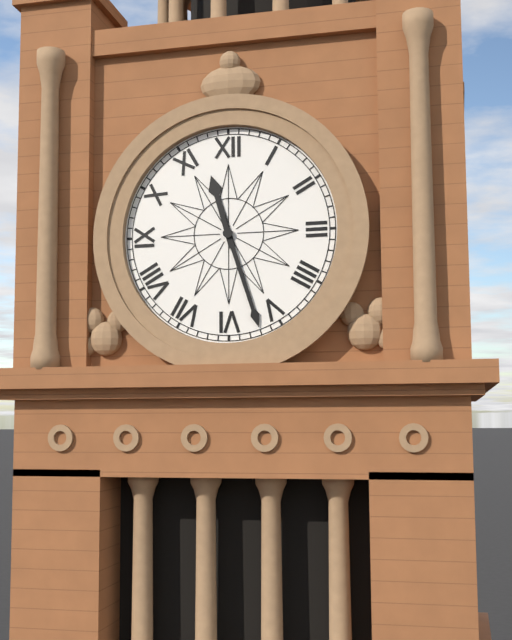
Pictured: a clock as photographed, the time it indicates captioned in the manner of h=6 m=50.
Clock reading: h=11 m=27
